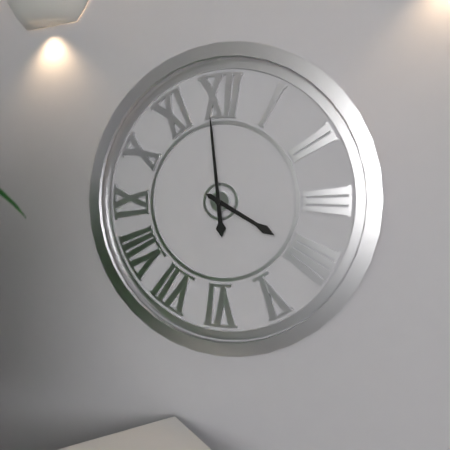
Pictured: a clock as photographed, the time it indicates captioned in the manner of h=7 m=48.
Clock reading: h=3 m=59
